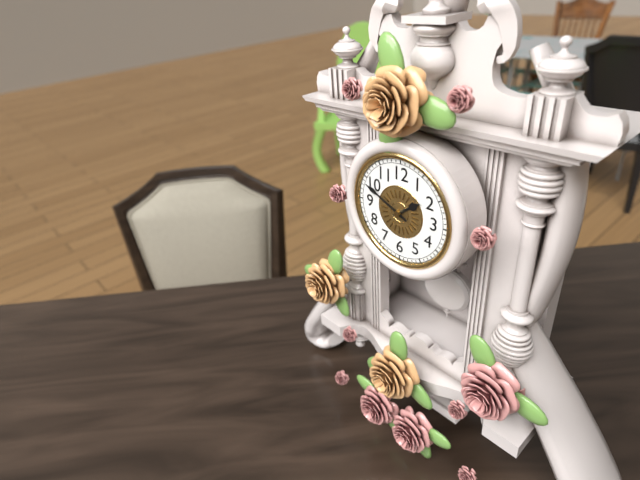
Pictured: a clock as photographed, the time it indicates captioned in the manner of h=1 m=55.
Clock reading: h=1 m=49
